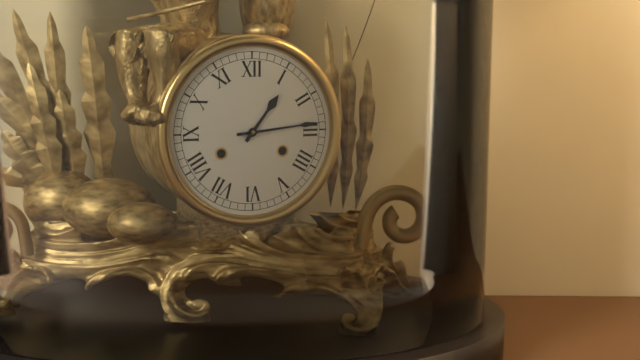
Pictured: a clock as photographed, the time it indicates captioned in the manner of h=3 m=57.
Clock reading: h=1 m=14
